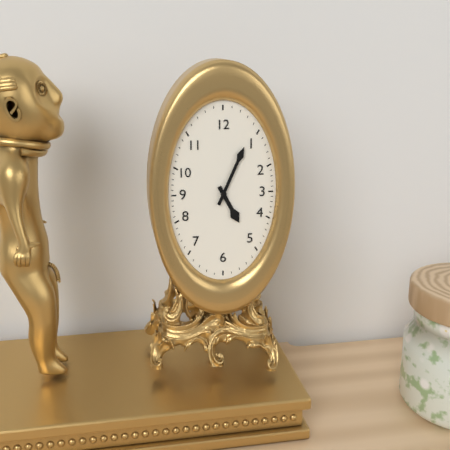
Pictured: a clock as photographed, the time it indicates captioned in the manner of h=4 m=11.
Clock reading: h=5 m=4
